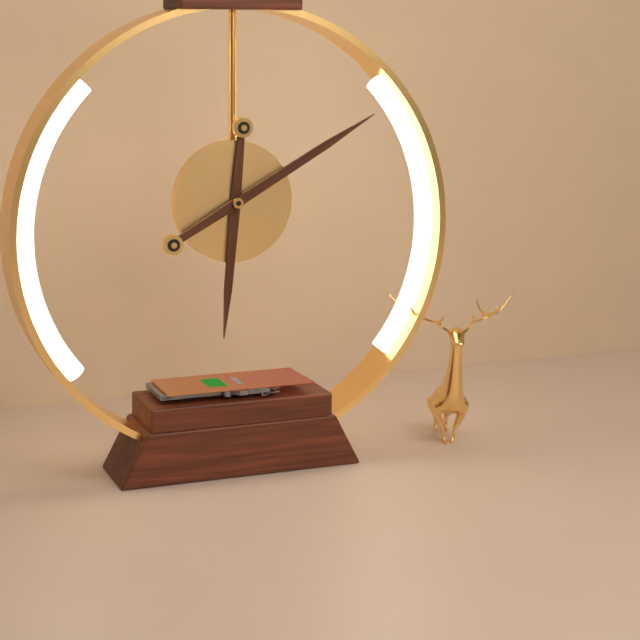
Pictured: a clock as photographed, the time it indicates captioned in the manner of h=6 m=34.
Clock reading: h=6 m=10
